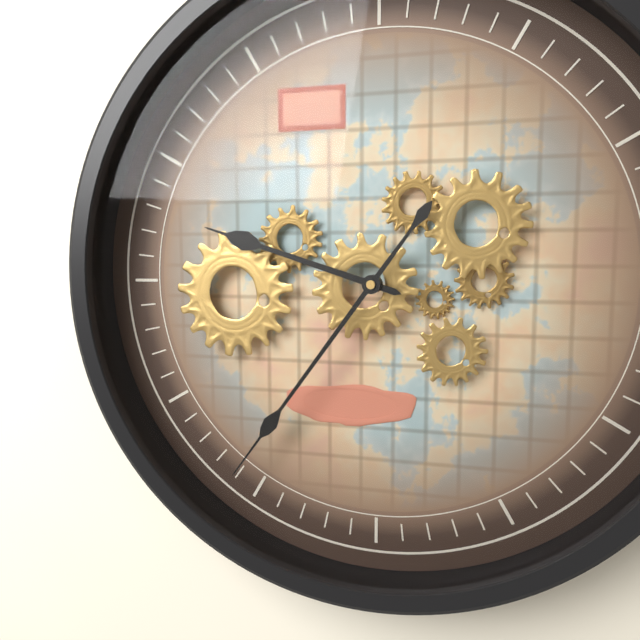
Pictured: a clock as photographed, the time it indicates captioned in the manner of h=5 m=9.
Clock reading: h=9 m=36
